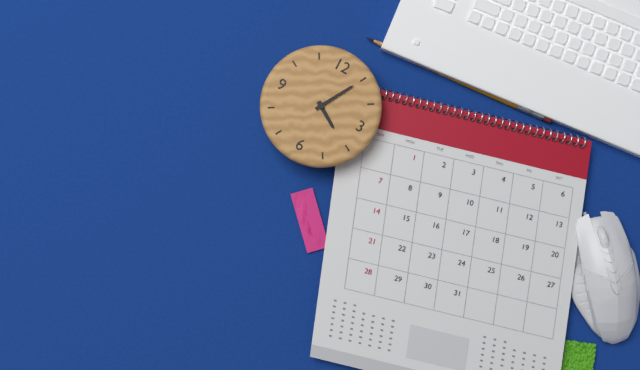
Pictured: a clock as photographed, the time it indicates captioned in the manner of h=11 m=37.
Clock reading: h=4 m=5
